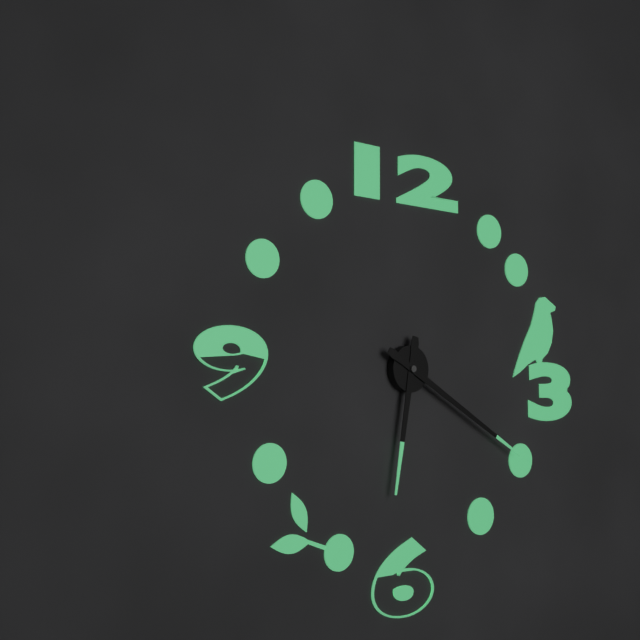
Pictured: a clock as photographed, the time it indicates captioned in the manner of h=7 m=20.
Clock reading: h=6 m=20
